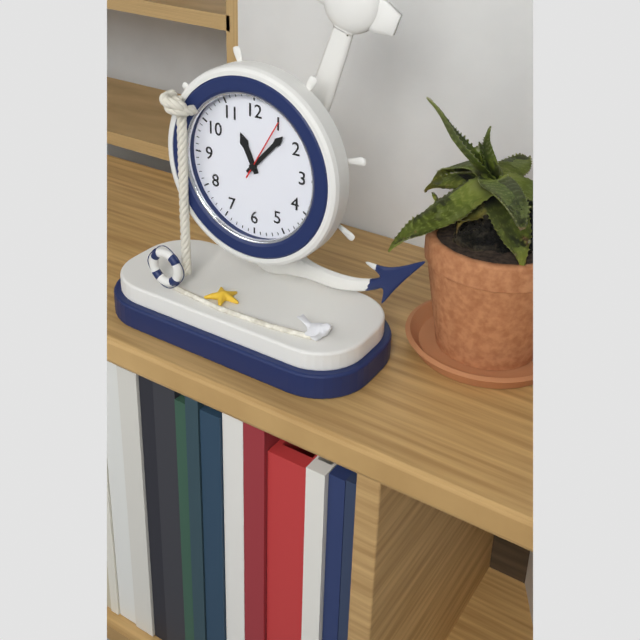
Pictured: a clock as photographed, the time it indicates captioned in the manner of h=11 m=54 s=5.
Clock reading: h=11 m=7 s=5
